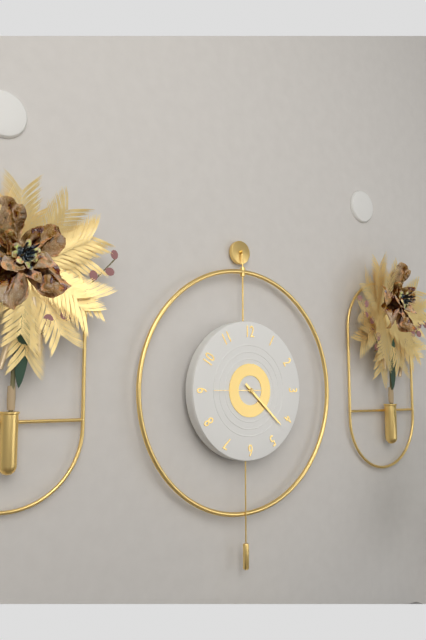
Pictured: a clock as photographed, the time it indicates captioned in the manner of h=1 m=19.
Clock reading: h=4 m=22
